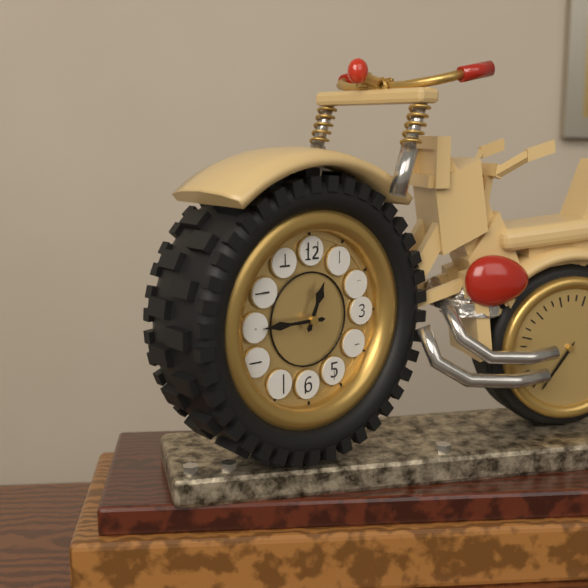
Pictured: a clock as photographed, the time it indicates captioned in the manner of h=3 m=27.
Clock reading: h=12 m=45
